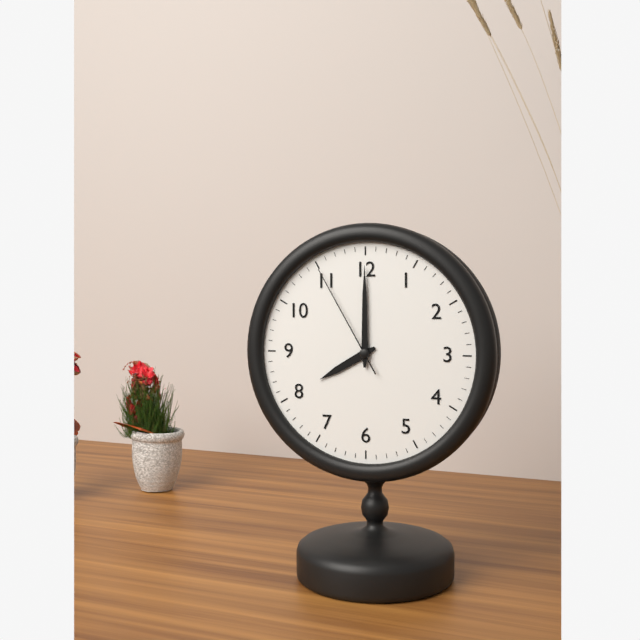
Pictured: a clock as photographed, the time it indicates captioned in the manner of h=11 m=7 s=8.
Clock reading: h=8 m=0 s=55
